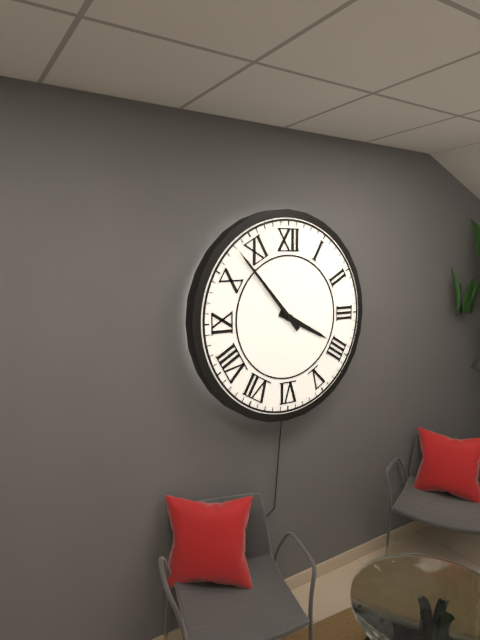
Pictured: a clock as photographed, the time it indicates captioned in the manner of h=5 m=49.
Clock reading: h=3 m=53
